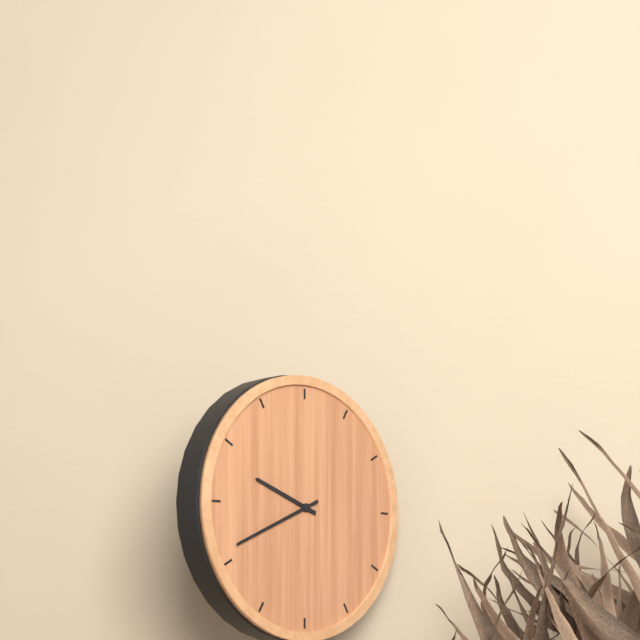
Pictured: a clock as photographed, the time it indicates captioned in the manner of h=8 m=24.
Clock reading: h=9 m=41
